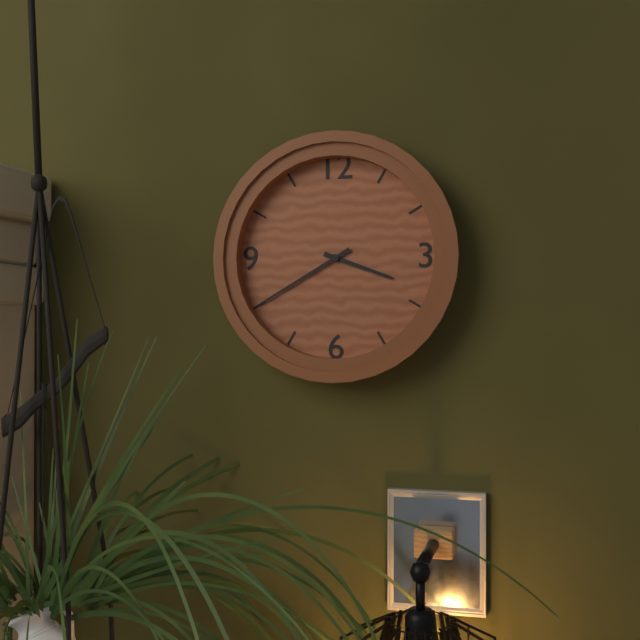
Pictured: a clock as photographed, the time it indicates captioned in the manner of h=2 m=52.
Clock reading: h=3 m=40
